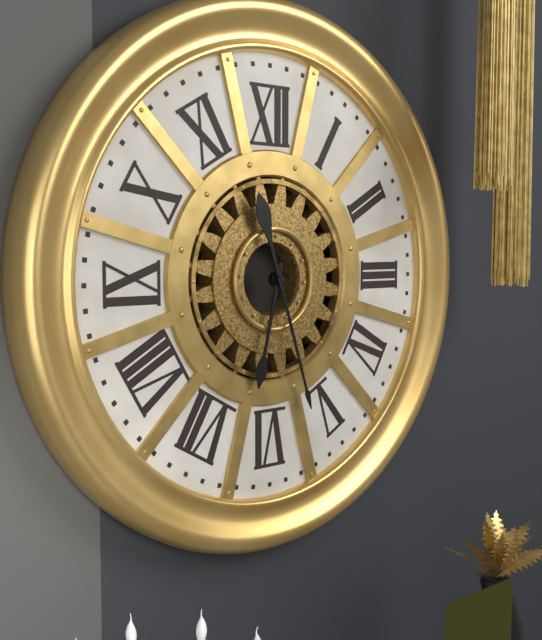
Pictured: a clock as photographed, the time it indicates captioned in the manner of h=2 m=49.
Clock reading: h=6 m=27
